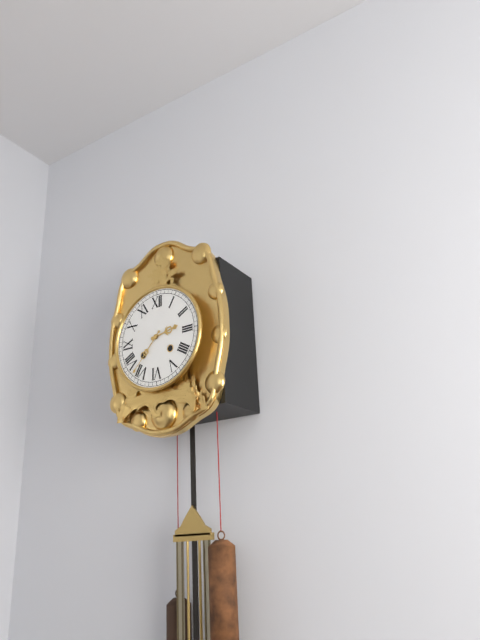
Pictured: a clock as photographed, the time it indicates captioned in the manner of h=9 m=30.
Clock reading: h=2 m=37
